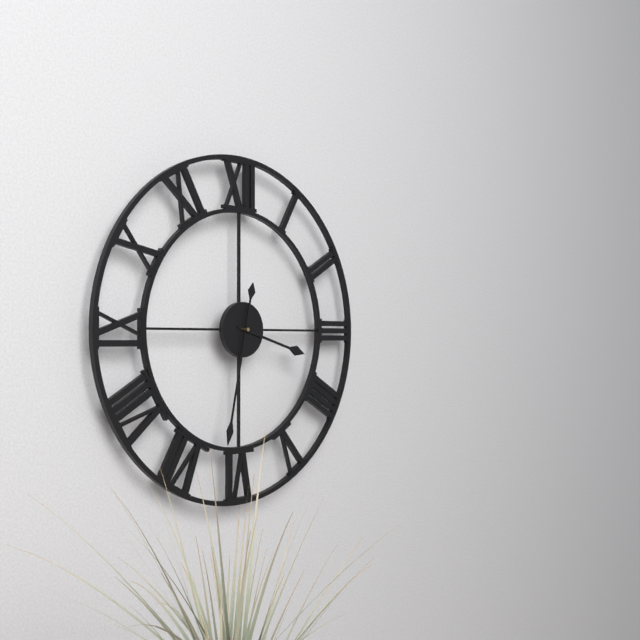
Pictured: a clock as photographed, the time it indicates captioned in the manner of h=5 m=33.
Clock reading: h=3 m=32
